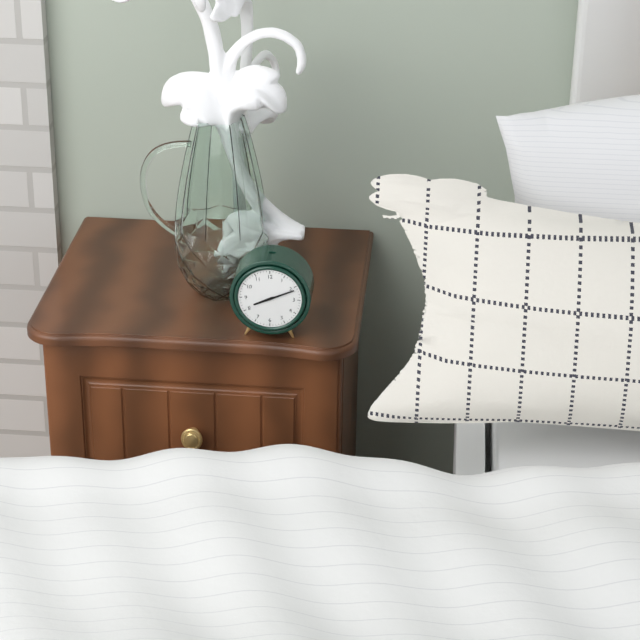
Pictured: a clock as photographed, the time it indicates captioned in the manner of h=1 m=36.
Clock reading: h=8 m=11
